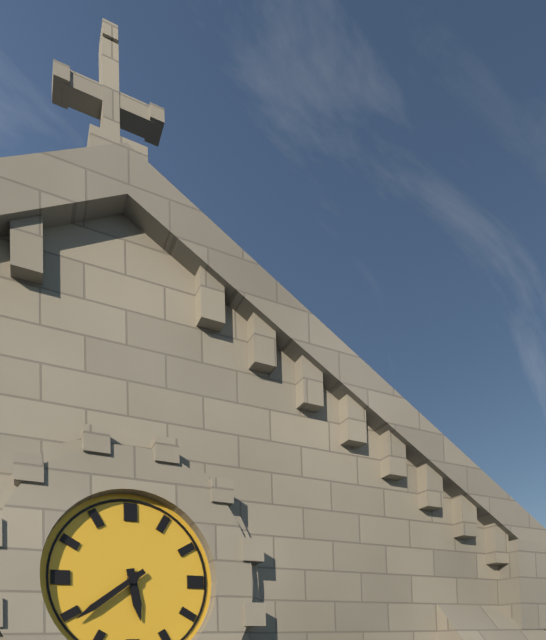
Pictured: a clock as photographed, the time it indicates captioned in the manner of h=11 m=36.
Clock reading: h=5 m=39
